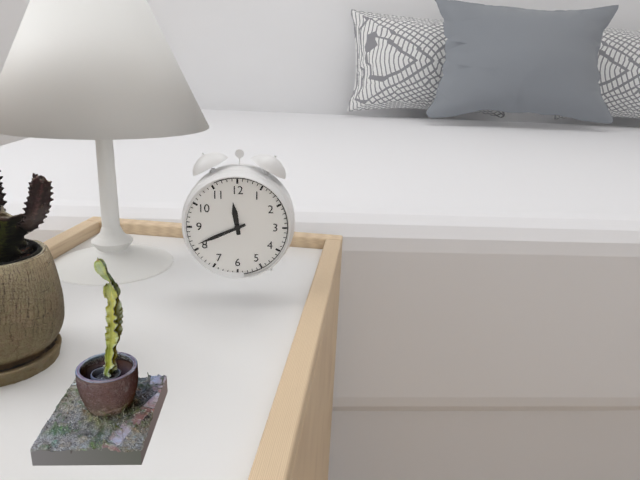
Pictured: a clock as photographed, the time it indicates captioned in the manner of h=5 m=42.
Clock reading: h=11 m=41
